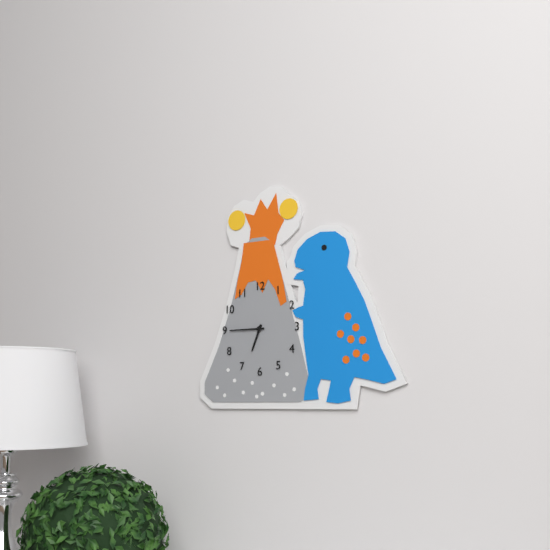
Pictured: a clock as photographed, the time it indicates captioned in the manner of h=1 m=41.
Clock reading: h=6 m=45
